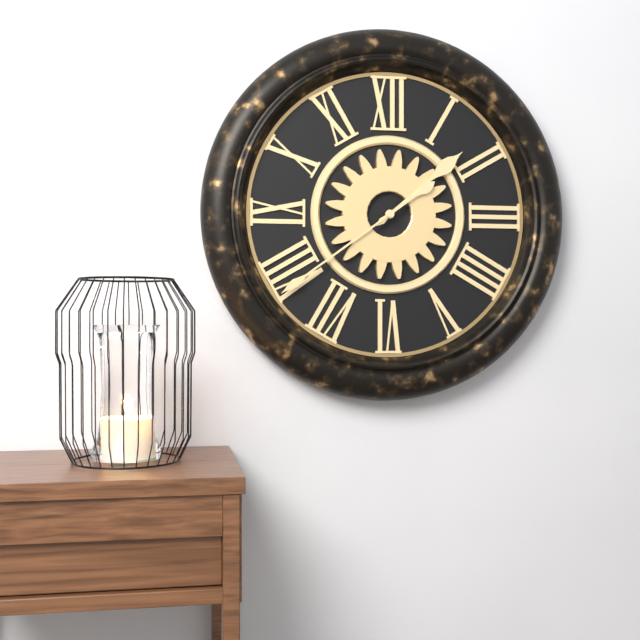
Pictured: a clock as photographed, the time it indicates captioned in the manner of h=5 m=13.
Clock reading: h=1 m=39
